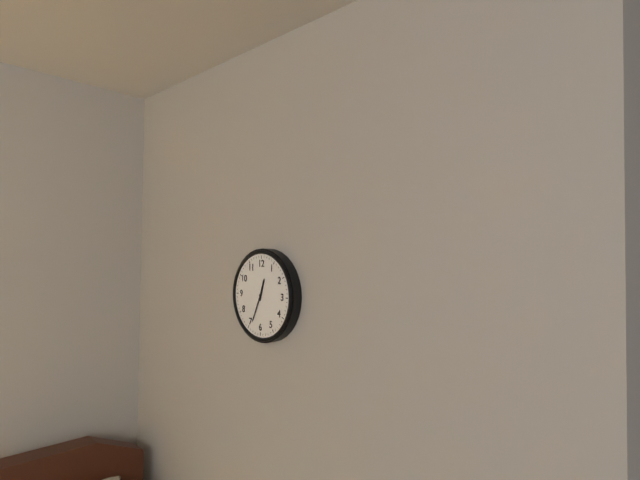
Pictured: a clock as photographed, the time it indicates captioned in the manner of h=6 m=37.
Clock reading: h=12 m=34
